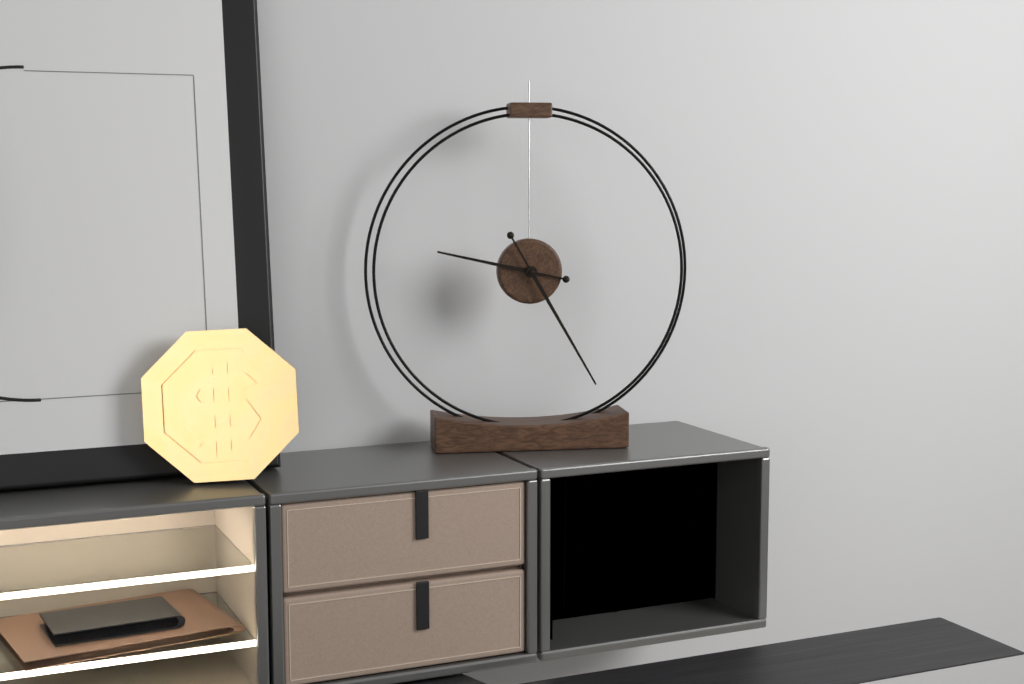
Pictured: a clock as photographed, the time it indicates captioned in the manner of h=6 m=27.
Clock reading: h=9 m=25
